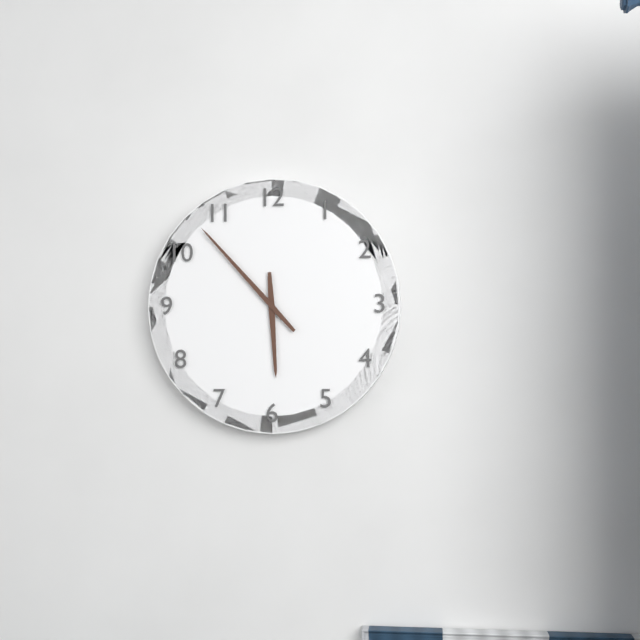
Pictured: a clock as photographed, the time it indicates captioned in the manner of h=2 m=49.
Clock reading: h=5 m=53
